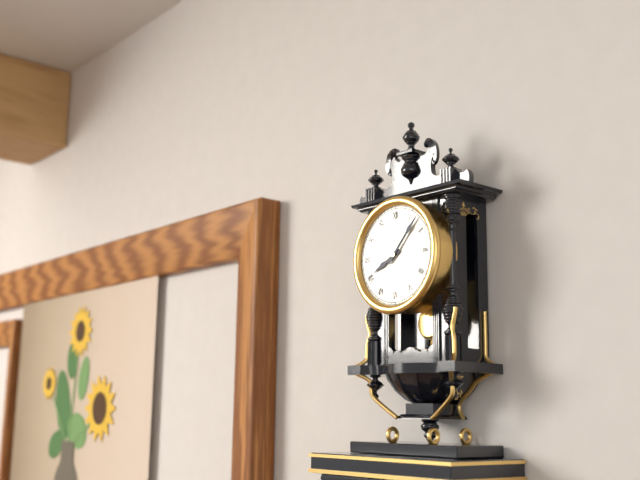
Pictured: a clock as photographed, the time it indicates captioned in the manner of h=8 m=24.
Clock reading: h=8 m=7
